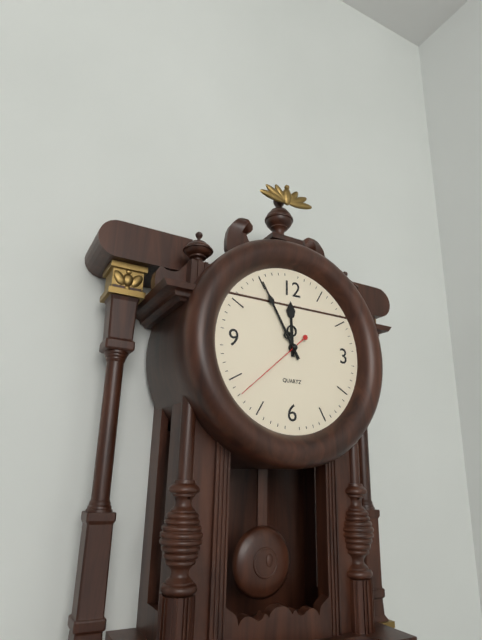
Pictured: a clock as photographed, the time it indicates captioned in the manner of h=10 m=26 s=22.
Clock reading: h=11 m=55 s=38
